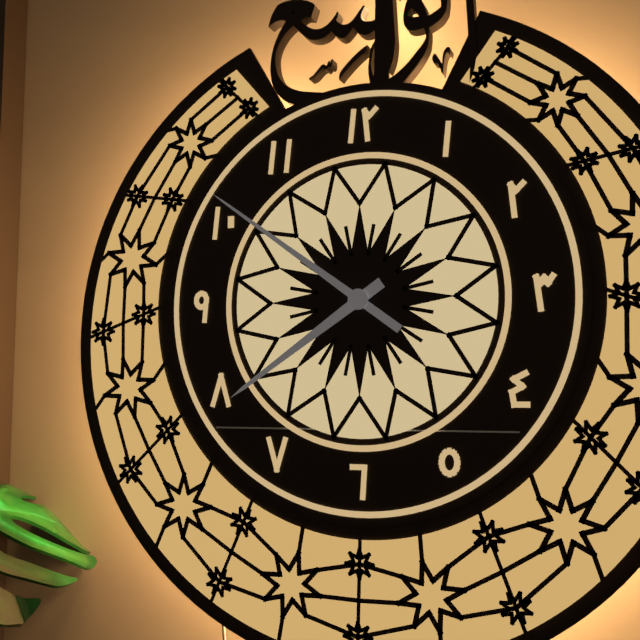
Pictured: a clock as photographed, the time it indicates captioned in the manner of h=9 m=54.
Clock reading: h=7 m=51
